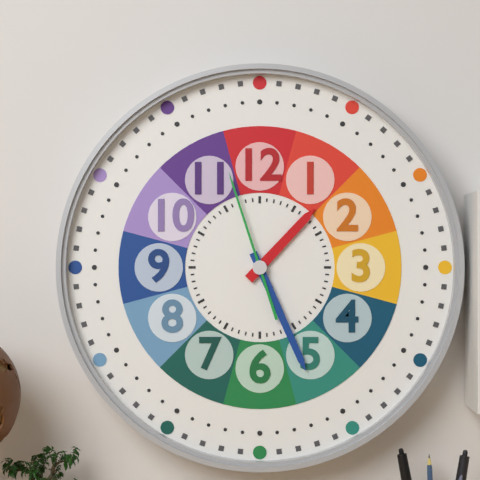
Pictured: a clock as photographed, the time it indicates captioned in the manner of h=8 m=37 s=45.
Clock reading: h=1 m=26 s=57
